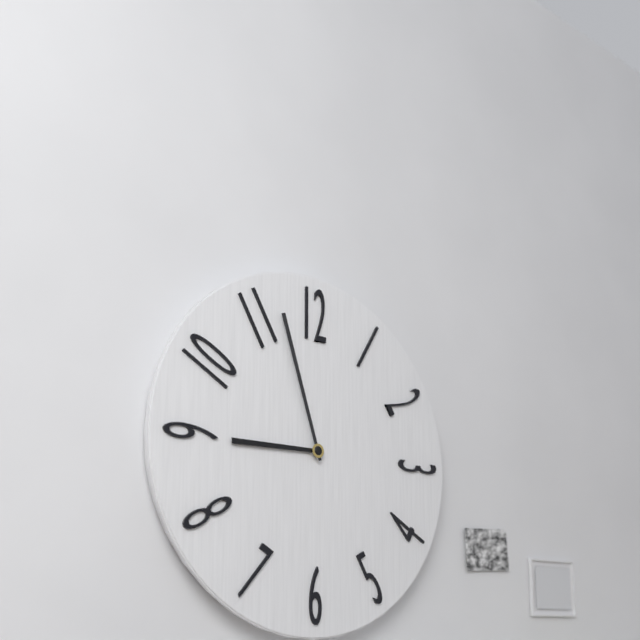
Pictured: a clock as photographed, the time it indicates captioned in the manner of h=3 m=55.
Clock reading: h=8 m=57
